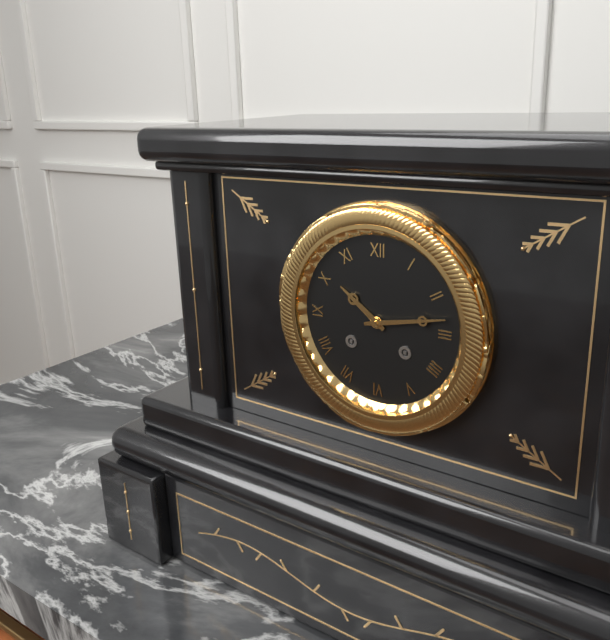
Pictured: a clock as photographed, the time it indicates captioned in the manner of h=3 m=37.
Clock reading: h=10 m=13
